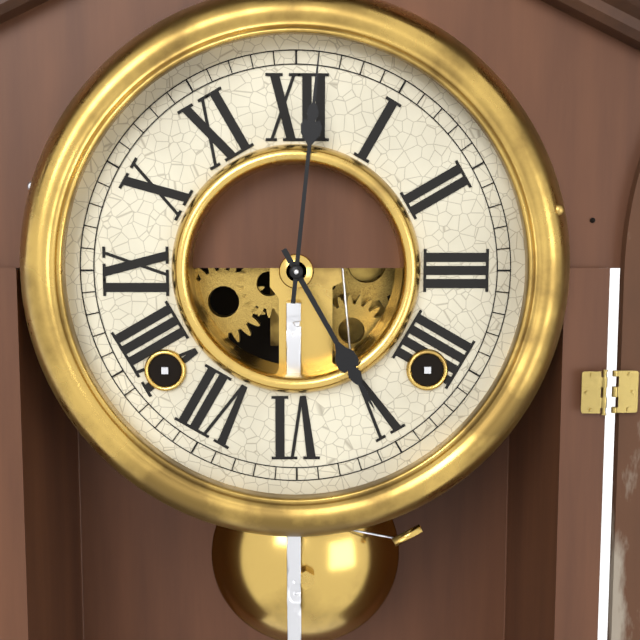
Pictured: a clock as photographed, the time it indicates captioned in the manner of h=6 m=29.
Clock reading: h=5 m=1
